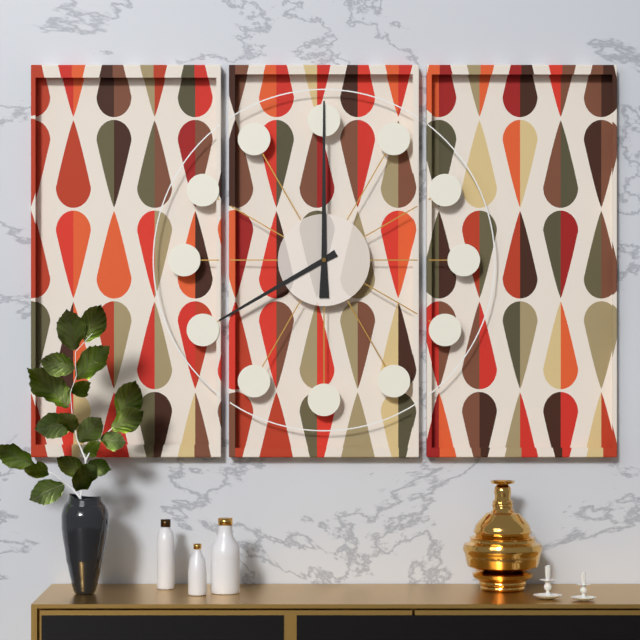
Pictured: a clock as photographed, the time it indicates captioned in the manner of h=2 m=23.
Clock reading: h=8 m=0
